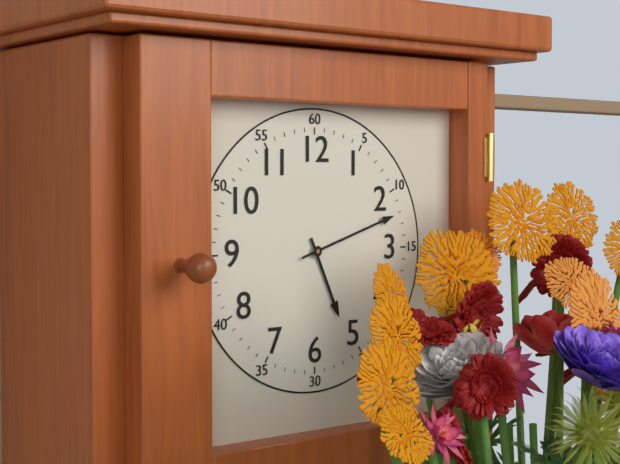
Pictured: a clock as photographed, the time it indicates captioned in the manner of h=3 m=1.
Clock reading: h=5 m=12
